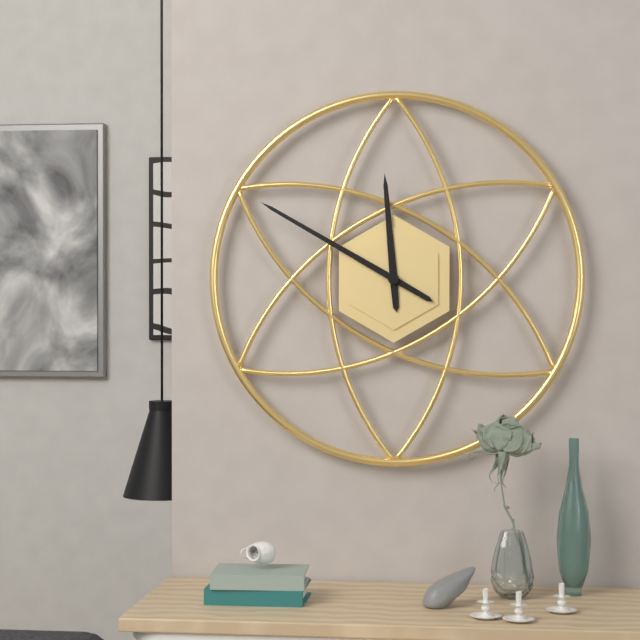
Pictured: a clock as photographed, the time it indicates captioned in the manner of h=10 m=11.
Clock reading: h=11 m=50
